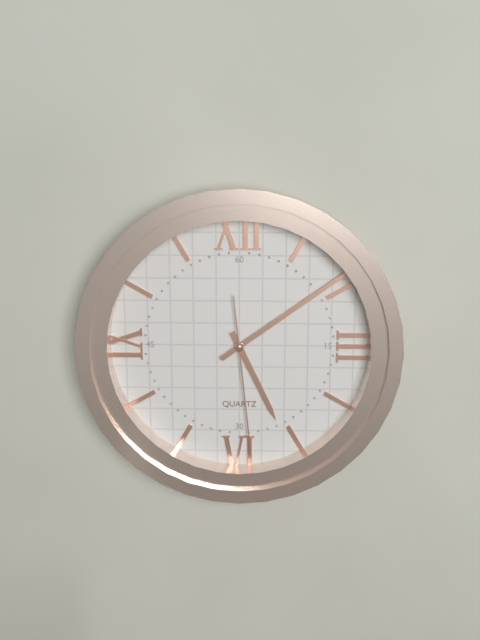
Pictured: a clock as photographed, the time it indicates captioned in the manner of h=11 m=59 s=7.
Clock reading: h=5 m=9 s=29
